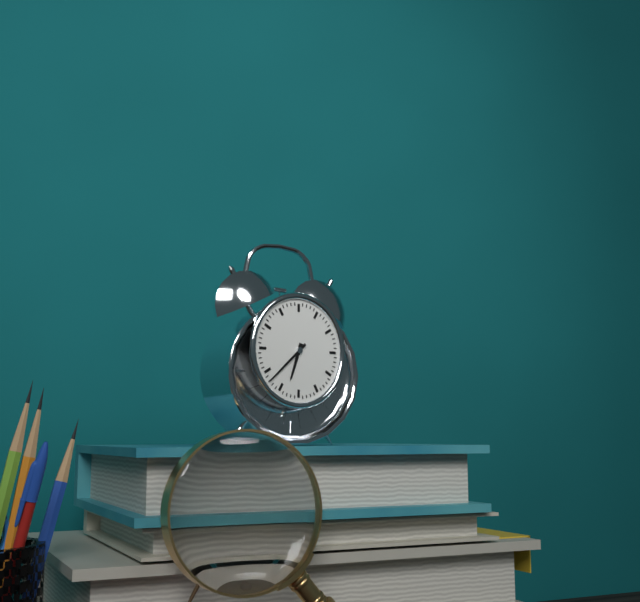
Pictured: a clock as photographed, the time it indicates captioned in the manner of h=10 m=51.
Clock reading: h=6 m=38
